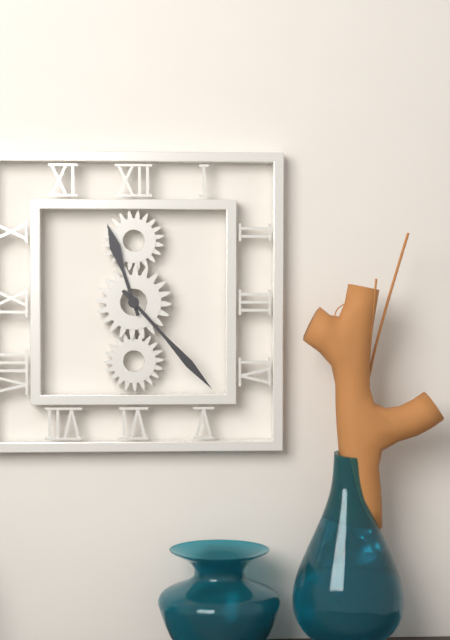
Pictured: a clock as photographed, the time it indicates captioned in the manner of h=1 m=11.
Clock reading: h=11 m=23
